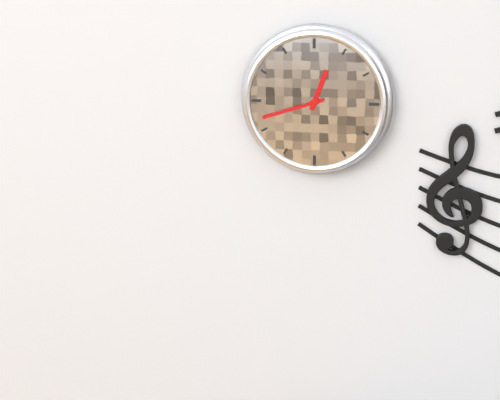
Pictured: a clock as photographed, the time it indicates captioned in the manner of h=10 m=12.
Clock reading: h=12 m=42
